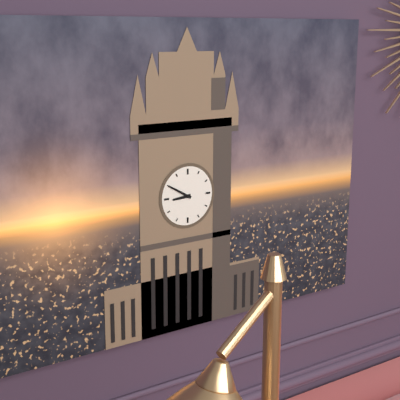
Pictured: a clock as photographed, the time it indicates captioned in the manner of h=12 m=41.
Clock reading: h=8 m=50
